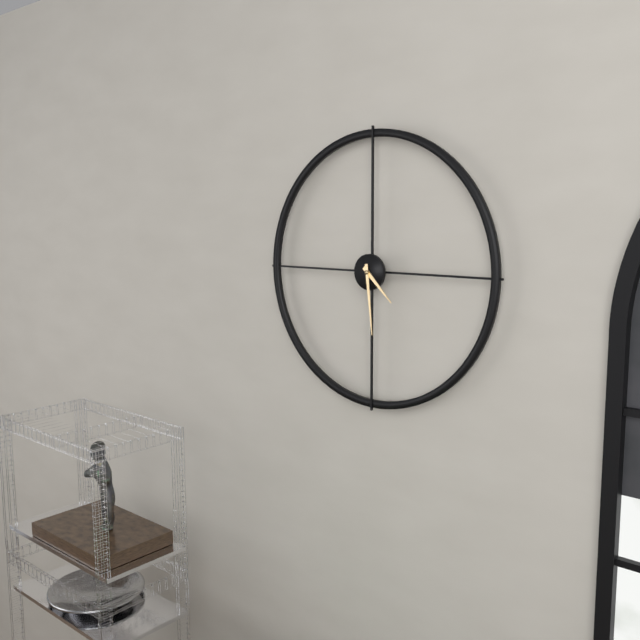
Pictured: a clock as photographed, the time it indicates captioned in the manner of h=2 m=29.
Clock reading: h=4 m=29
